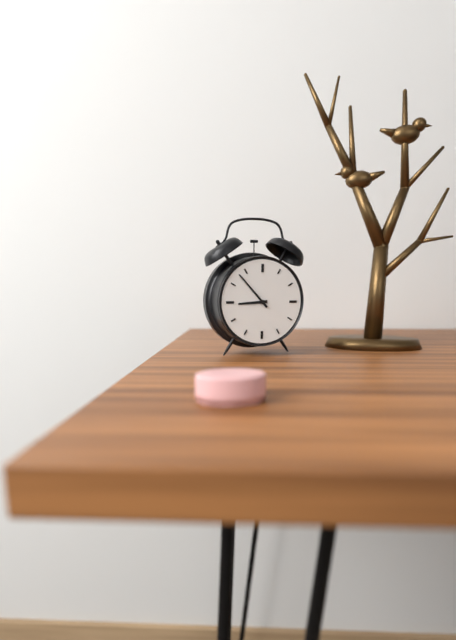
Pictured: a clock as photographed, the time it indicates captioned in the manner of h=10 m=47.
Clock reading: h=8 m=53
